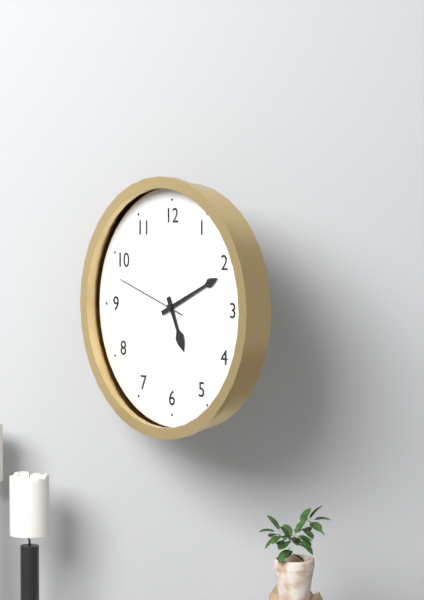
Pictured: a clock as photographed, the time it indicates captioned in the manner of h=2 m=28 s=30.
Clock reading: h=5 m=11 s=48
